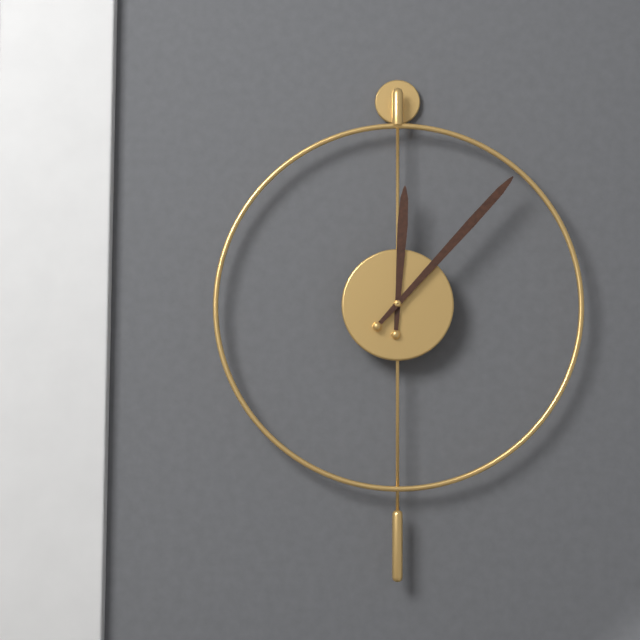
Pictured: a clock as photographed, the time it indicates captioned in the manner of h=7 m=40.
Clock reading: h=12 m=7
